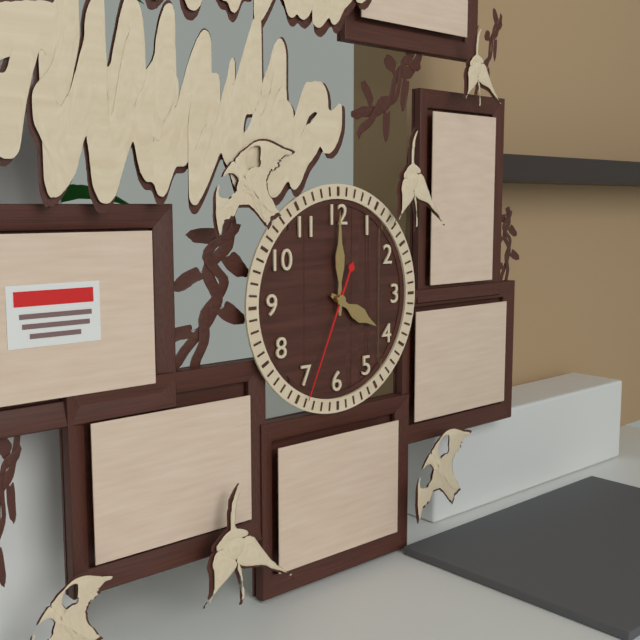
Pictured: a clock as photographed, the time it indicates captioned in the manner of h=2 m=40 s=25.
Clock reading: h=4 m=0 s=34
